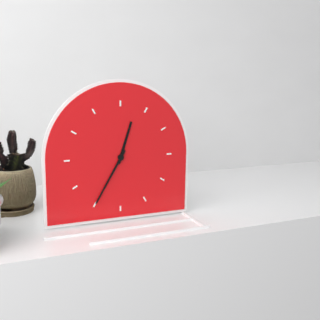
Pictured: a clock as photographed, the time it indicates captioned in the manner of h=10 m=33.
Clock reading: h=12 m=35
